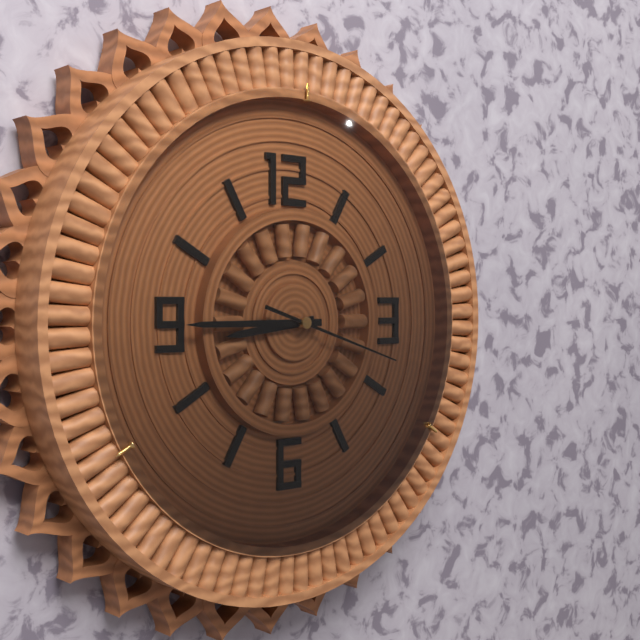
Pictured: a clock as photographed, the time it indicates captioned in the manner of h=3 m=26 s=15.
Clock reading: h=8 m=45 s=18
